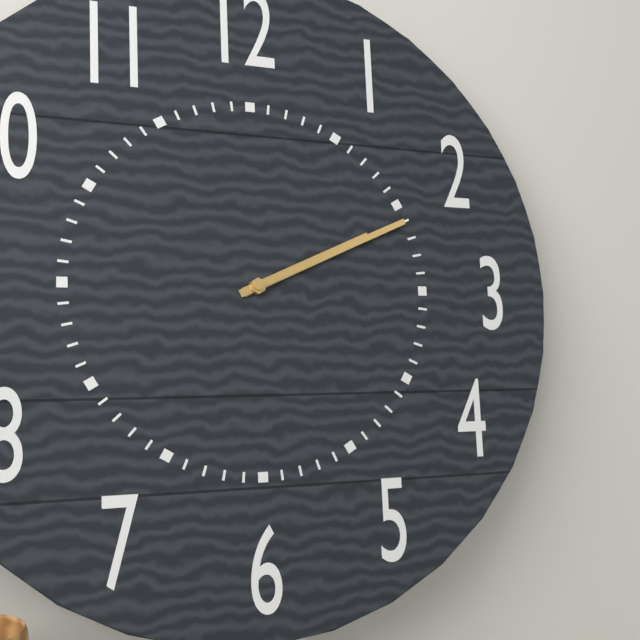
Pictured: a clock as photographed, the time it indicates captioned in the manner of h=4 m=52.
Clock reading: h=2 m=11
